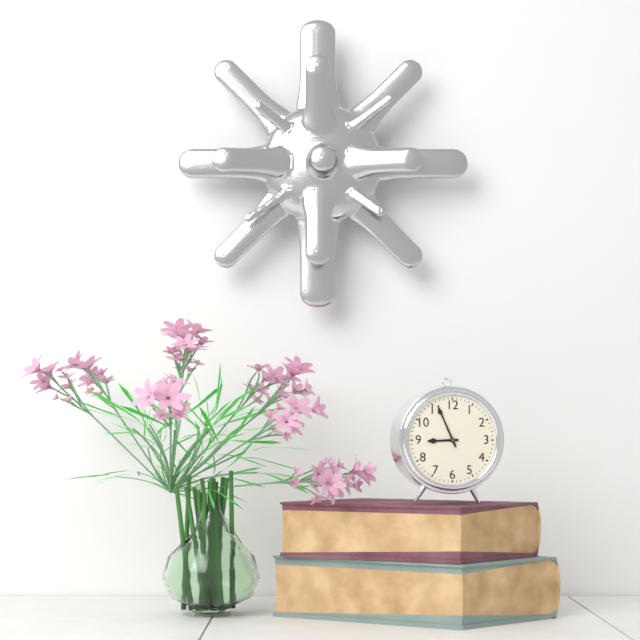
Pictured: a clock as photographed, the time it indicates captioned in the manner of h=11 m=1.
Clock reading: h=8 m=56
